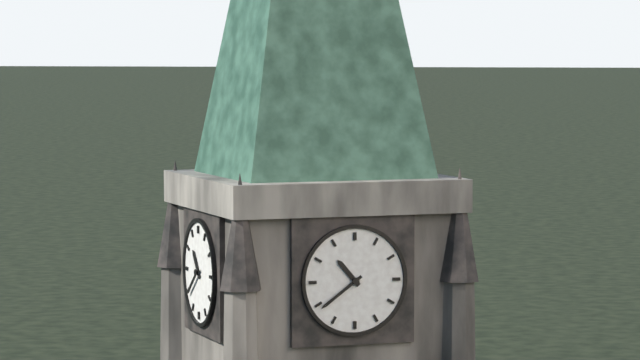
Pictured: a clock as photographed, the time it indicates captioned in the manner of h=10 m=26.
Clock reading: h=10 m=39
